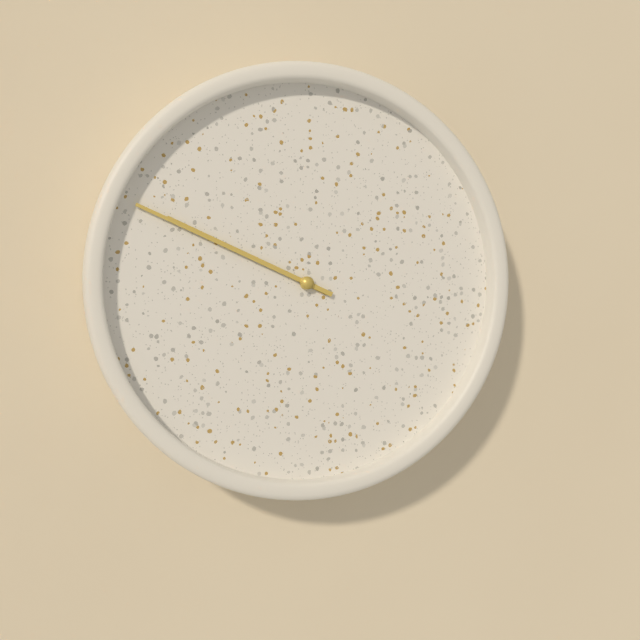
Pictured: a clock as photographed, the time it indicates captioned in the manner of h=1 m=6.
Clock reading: h=9 m=49
